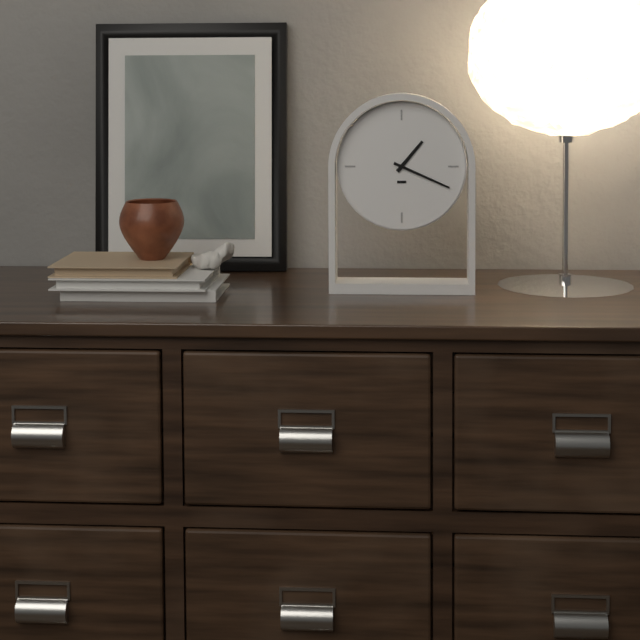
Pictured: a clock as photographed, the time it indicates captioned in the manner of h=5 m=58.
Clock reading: h=1 m=19
